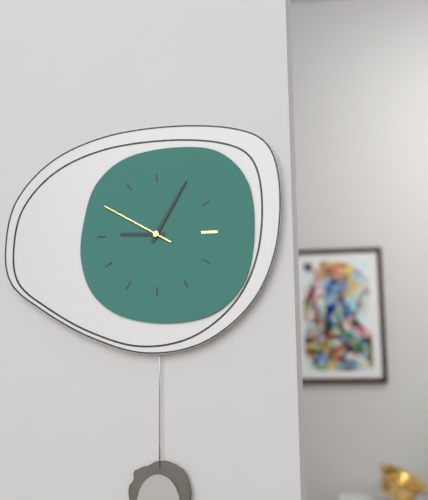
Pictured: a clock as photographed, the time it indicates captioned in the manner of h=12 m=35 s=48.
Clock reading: h=9 m=5 s=50
